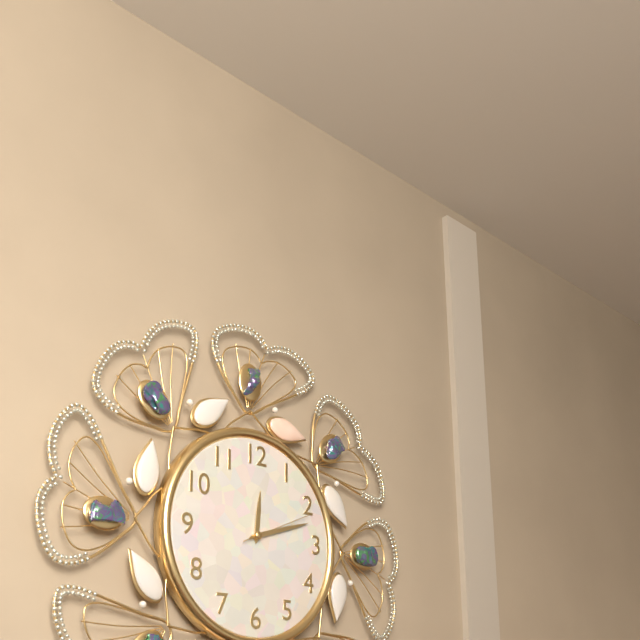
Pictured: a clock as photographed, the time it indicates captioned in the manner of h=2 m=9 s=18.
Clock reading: h=12 m=12 s=11
